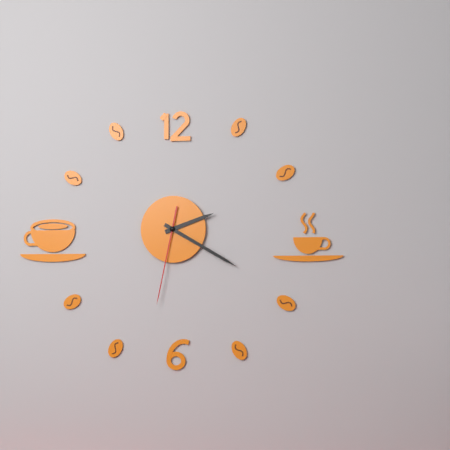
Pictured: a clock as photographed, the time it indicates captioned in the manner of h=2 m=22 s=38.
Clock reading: h=2 m=20 s=32
